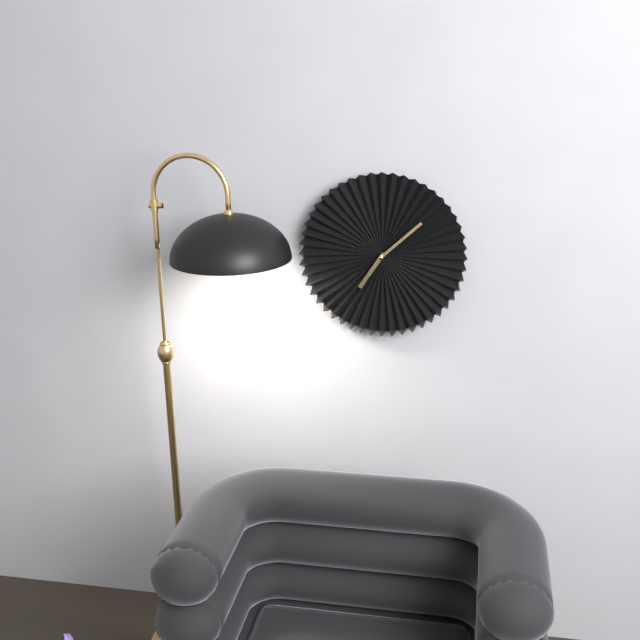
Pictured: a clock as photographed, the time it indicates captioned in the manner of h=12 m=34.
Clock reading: h=7 m=8
